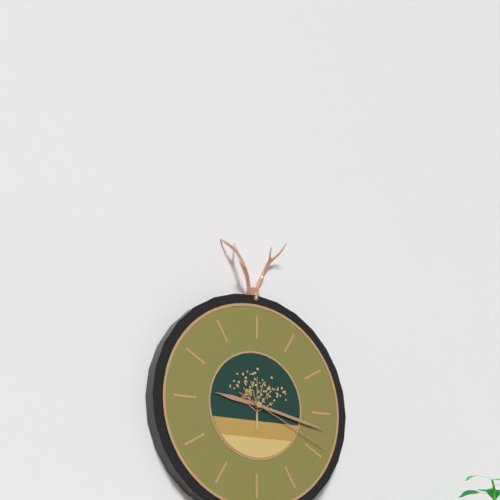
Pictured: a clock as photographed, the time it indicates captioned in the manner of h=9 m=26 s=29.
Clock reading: h=9 m=17 s=19
